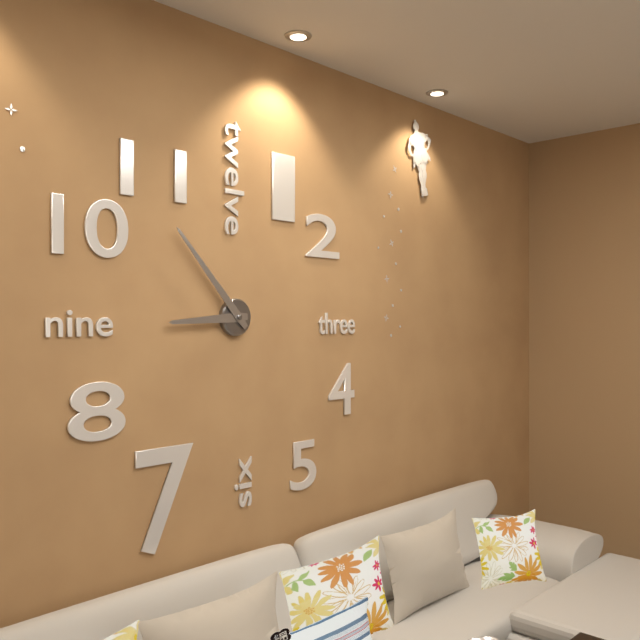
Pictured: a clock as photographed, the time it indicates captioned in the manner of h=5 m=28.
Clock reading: h=8 m=53
